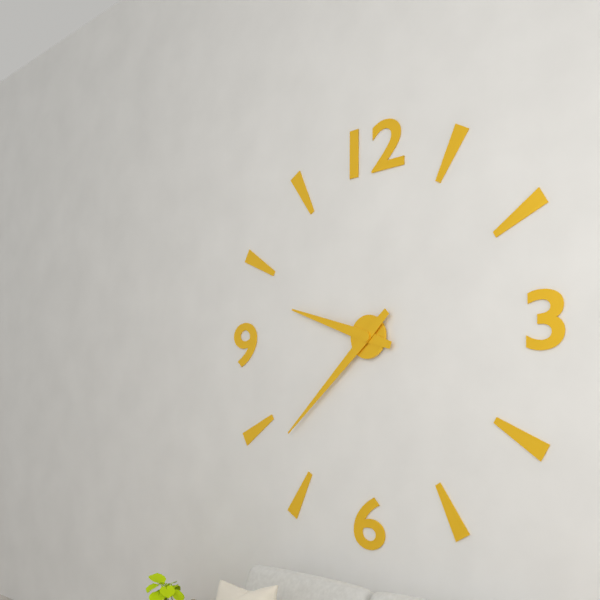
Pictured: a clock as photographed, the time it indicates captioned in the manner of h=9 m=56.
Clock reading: h=9 m=38
